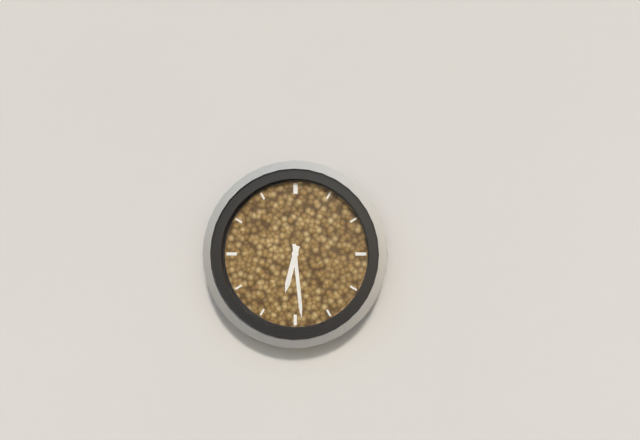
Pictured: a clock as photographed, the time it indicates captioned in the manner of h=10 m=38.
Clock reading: h=6 m=29
